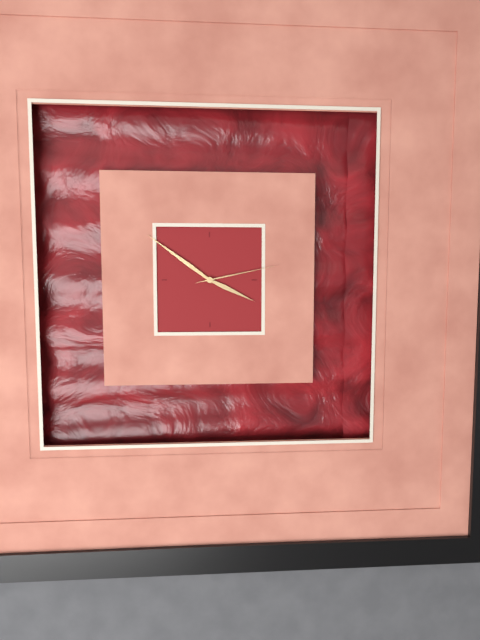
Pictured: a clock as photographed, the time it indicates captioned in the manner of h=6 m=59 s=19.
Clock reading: h=3 m=51 s=13
